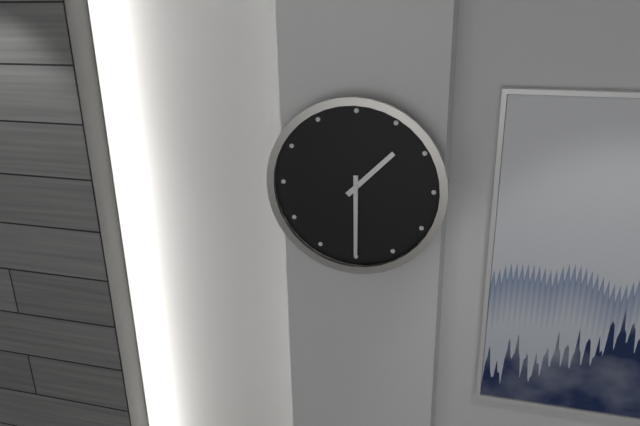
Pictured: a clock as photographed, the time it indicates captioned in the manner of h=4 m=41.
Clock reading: h=1 m=30
